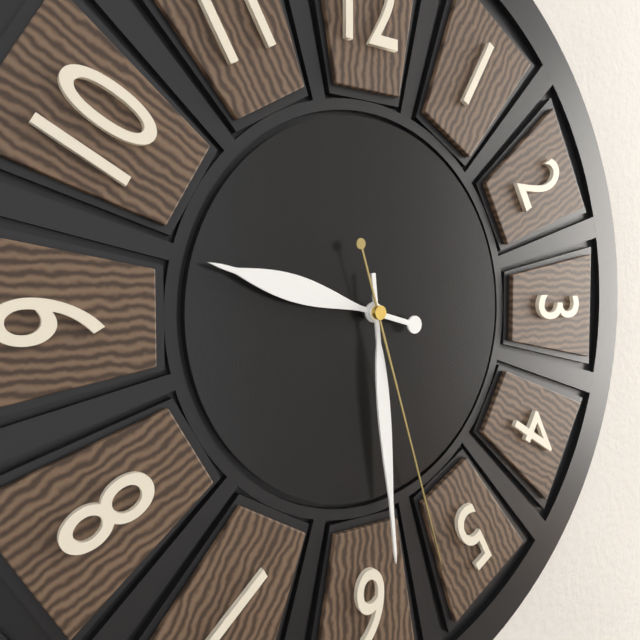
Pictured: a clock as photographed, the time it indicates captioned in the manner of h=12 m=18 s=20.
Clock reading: h=9 m=29 s=27
